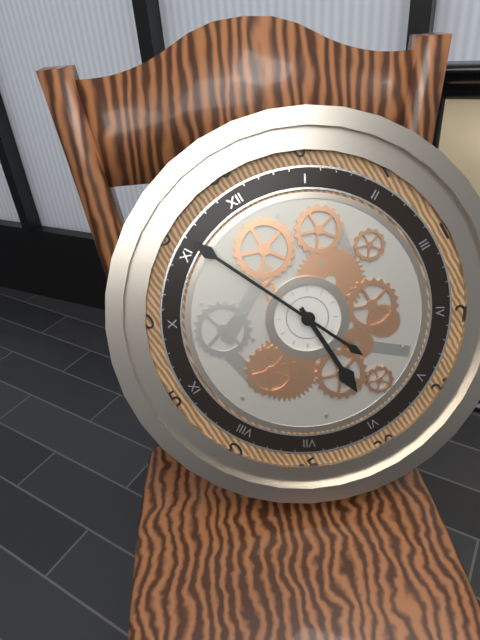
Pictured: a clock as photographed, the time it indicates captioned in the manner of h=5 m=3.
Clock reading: h=5 m=56
